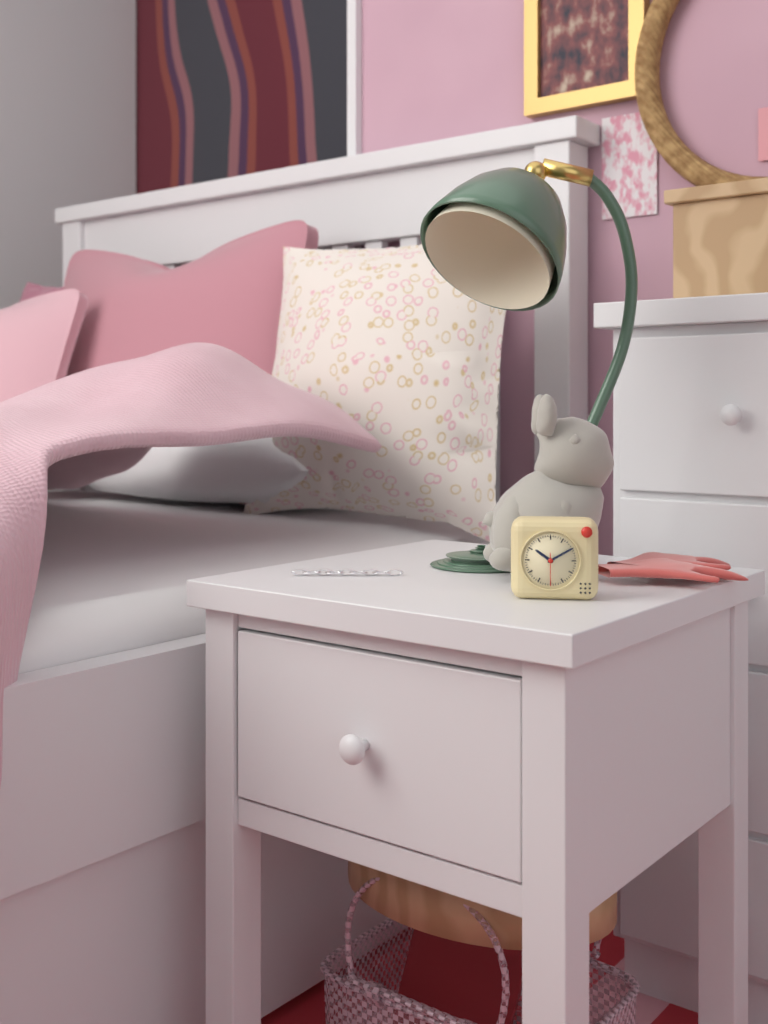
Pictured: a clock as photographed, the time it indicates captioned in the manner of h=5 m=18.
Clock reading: h=10 m=10
